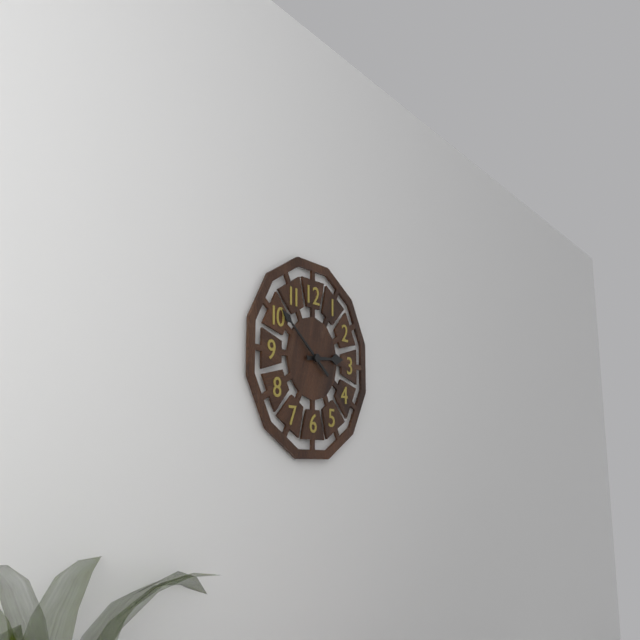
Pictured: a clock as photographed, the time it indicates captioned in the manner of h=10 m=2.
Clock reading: h=2 m=51
